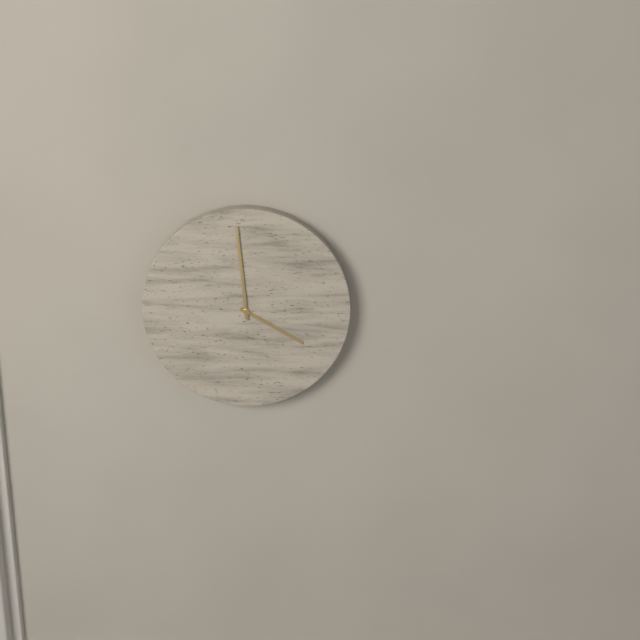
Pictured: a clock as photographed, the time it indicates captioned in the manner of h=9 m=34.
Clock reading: h=3 m=59
